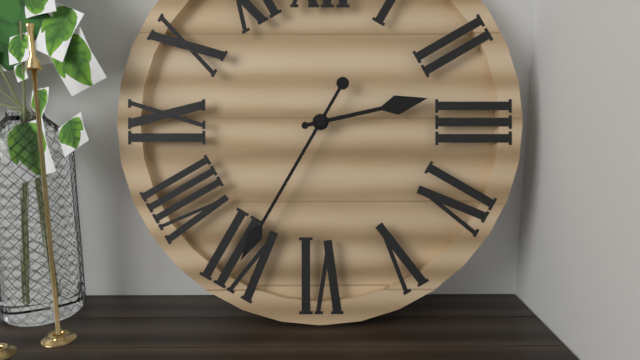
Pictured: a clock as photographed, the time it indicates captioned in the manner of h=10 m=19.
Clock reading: h=2 m=35
